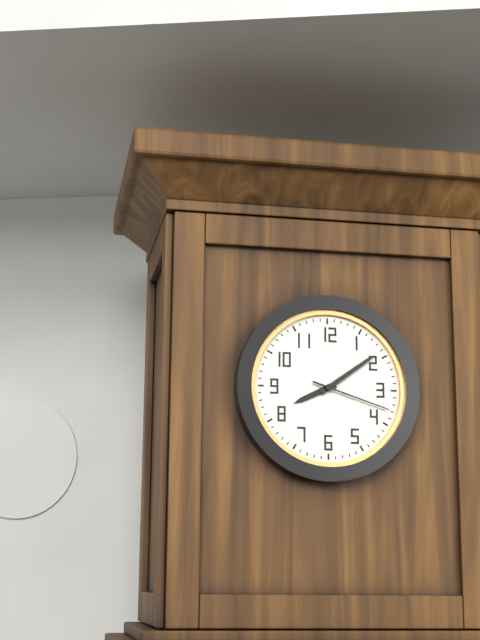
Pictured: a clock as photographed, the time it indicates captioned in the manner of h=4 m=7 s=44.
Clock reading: h=8 m=9 s=18
